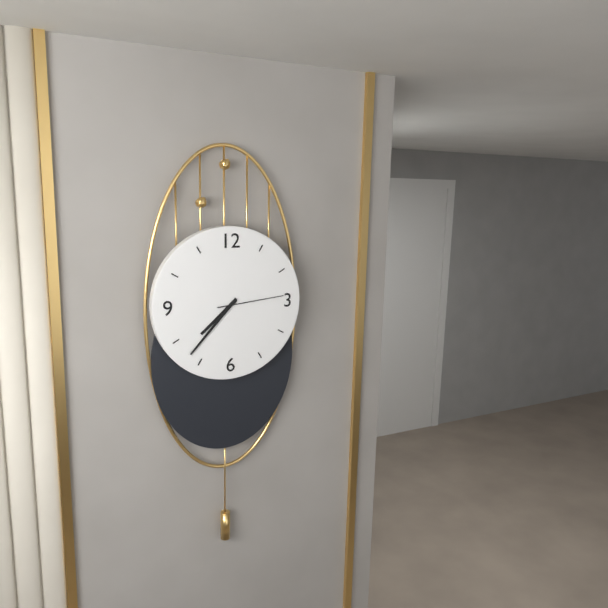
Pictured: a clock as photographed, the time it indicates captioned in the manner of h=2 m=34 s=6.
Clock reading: h=7 m=37 s=14
